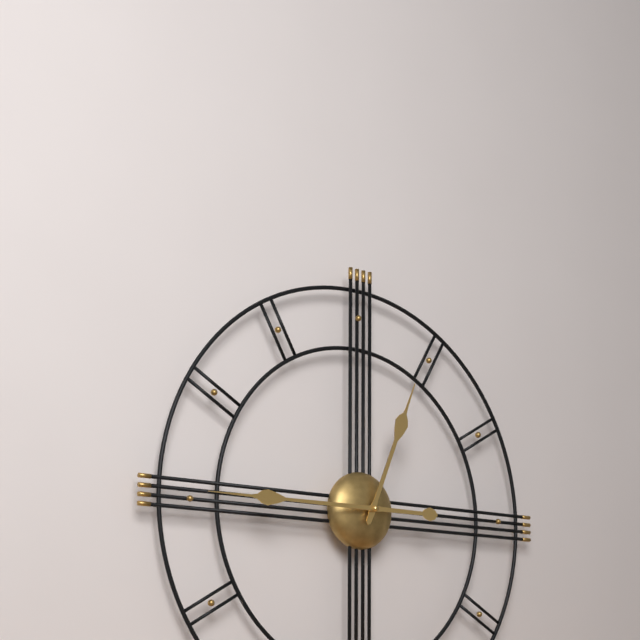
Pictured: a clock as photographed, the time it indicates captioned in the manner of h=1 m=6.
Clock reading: h=12 m=45
